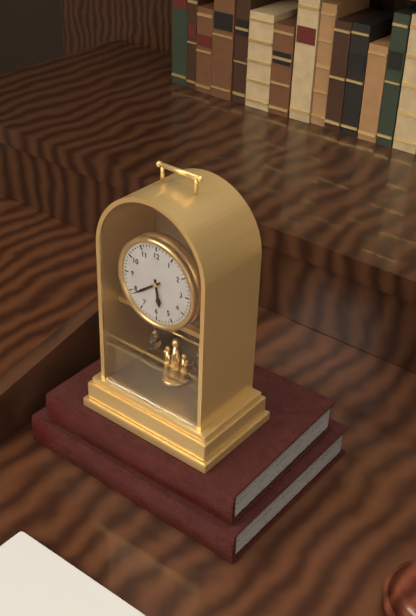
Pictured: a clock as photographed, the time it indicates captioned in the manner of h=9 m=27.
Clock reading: h=5 m=39
